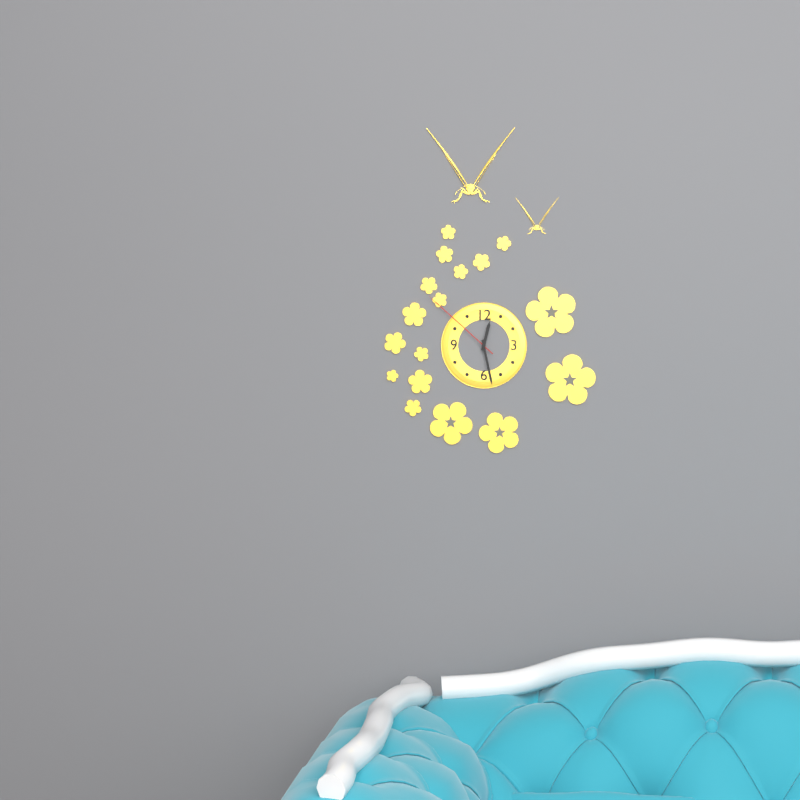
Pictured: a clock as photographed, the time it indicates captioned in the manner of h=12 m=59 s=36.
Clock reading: h=12 m=28 s=52
